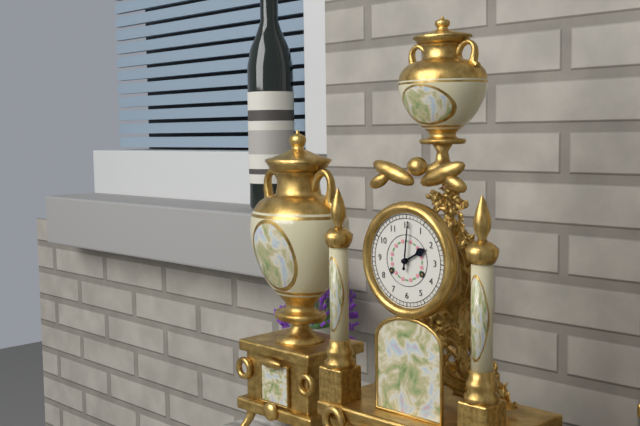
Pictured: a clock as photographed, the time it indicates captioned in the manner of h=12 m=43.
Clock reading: h=2 m=1
